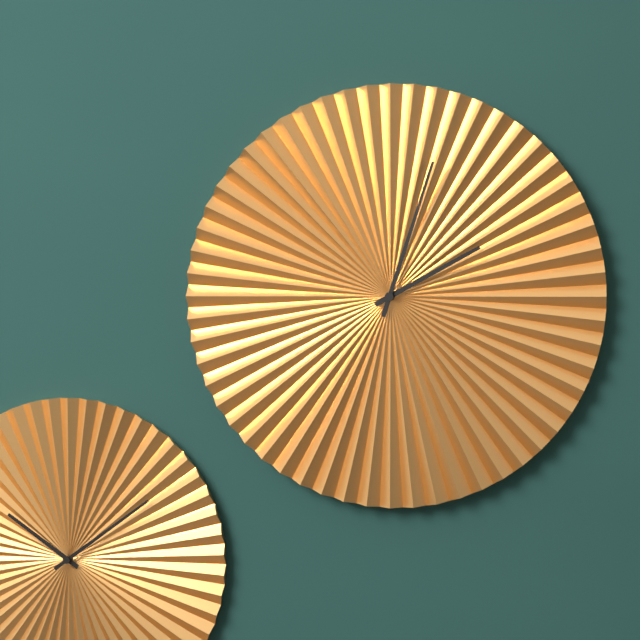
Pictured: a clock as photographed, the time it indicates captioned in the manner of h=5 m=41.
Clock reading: h=2 m=3
